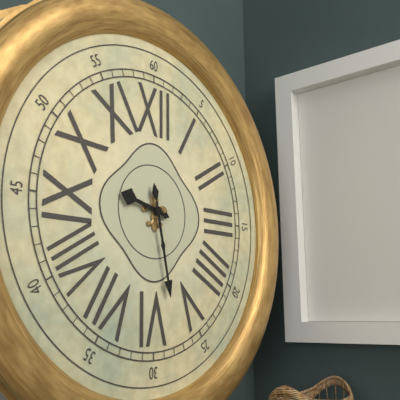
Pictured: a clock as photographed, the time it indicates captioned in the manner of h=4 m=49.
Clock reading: h=9 m=28
